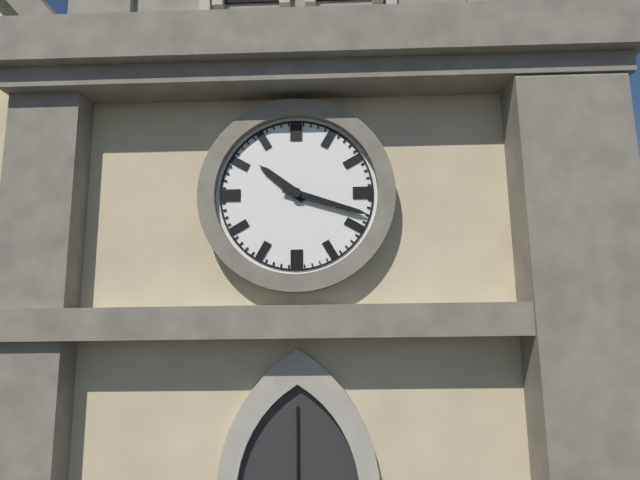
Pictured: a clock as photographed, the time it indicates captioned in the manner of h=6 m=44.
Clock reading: h=10 m=18
